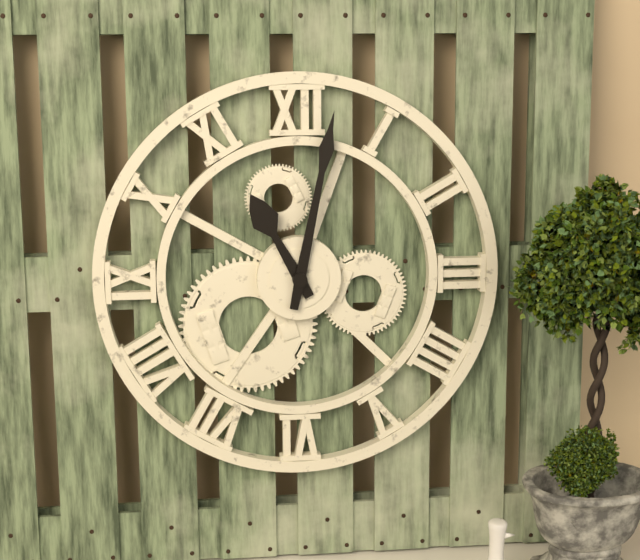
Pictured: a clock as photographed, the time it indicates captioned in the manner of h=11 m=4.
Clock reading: h=11 m=2
